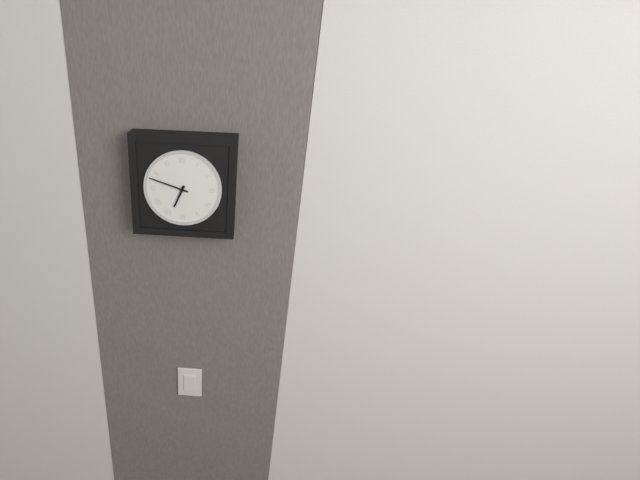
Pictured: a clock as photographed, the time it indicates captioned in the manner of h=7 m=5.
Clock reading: h=6 m=48
